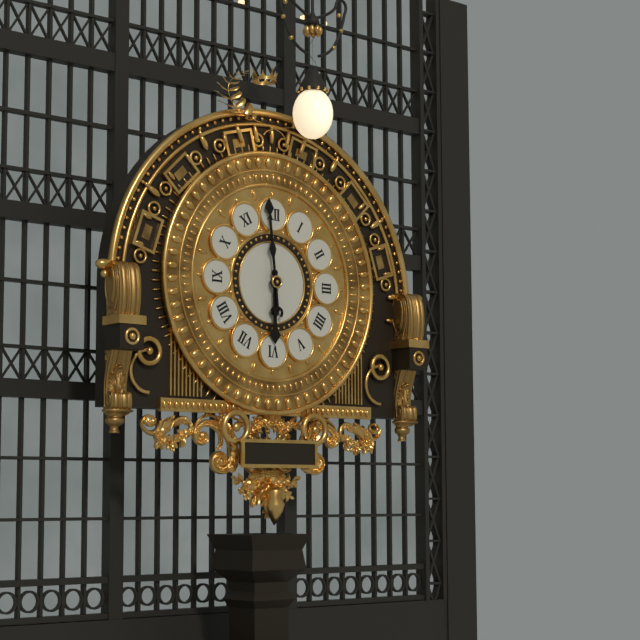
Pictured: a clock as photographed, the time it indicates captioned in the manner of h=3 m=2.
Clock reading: h=5 m=59
